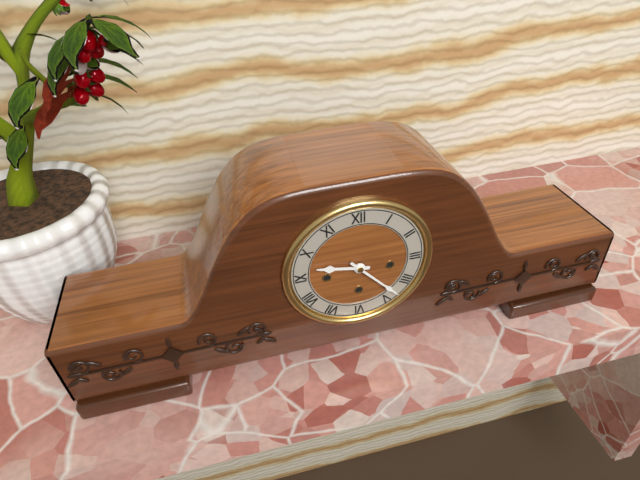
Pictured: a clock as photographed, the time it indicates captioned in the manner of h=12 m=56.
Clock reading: h=9 m=23
